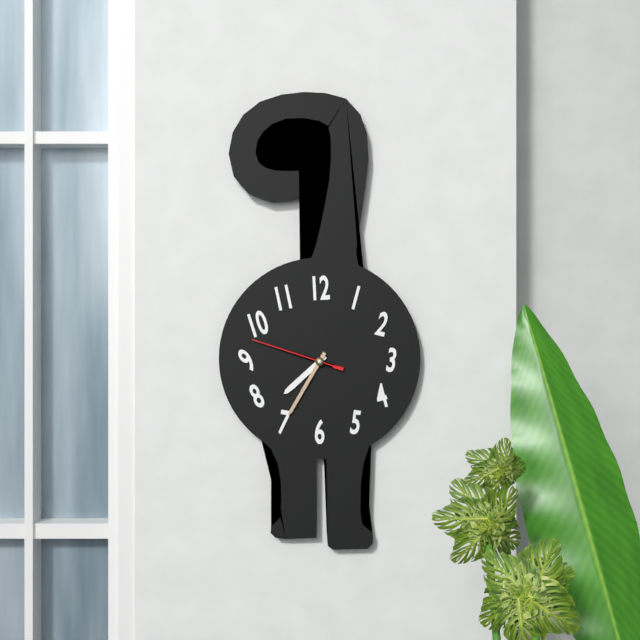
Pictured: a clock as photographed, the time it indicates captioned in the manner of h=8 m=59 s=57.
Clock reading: h=7 m=35 s=48
